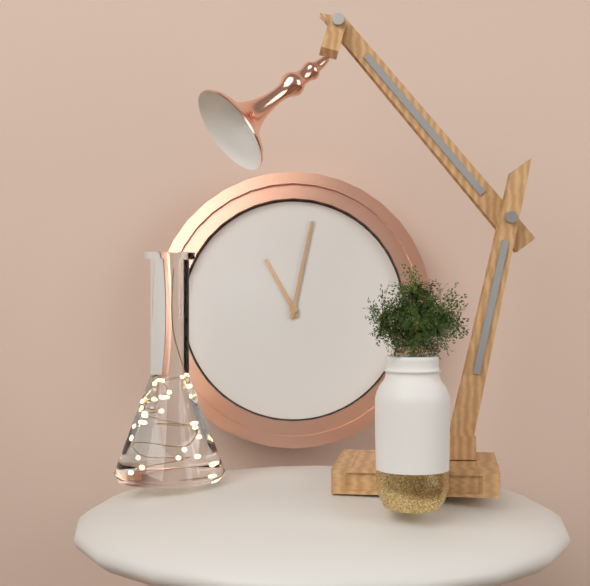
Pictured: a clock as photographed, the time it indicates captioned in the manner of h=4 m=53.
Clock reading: h=11 m=2
